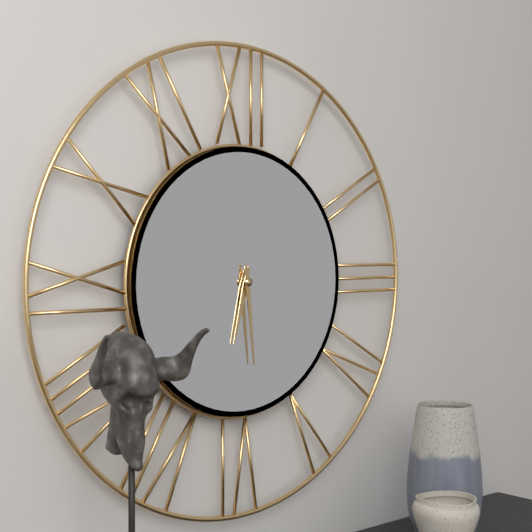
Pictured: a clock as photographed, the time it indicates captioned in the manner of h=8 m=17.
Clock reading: h=6 m=29
